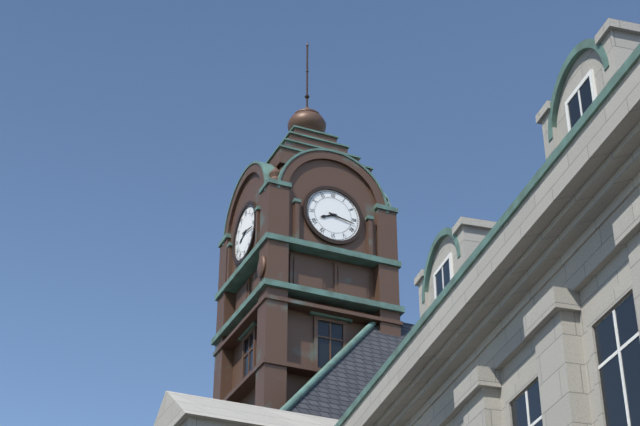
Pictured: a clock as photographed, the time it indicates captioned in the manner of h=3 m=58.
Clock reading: h=8 m=17
